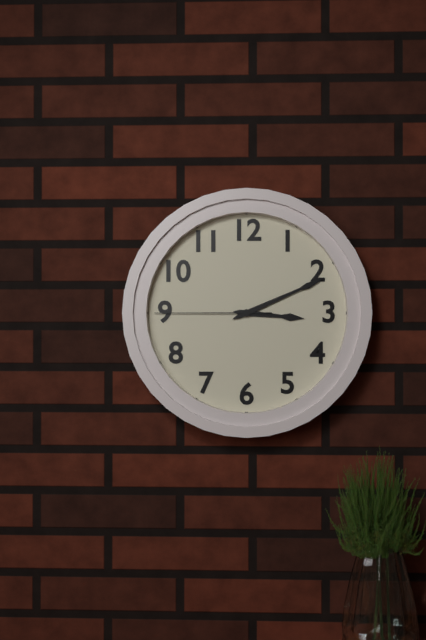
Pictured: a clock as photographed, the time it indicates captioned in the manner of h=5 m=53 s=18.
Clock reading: h=3 m=11 s=45
